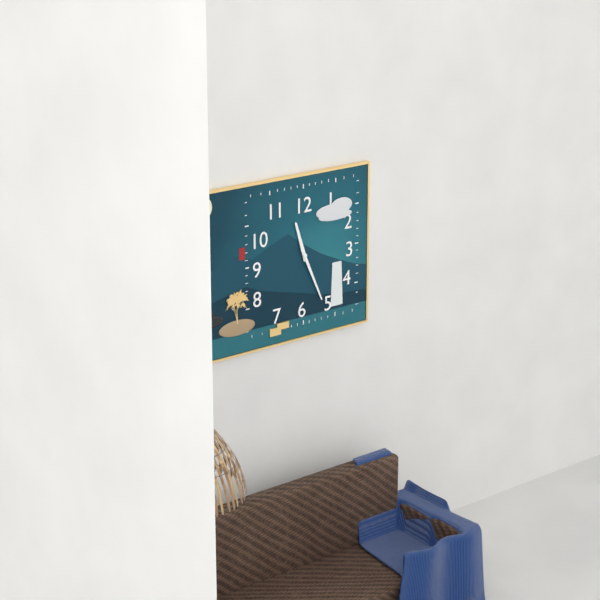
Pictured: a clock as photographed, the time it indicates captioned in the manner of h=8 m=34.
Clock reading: h=11 m=26
